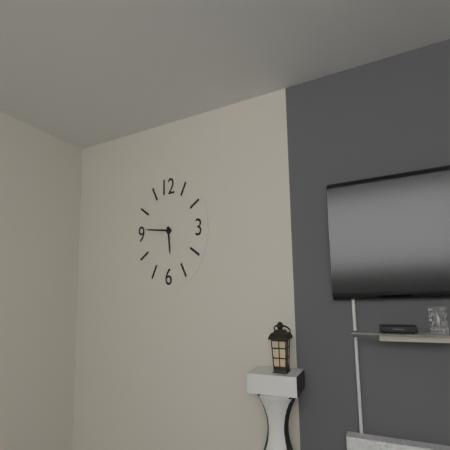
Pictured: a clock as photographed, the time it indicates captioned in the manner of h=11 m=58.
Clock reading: h=5 m=46
